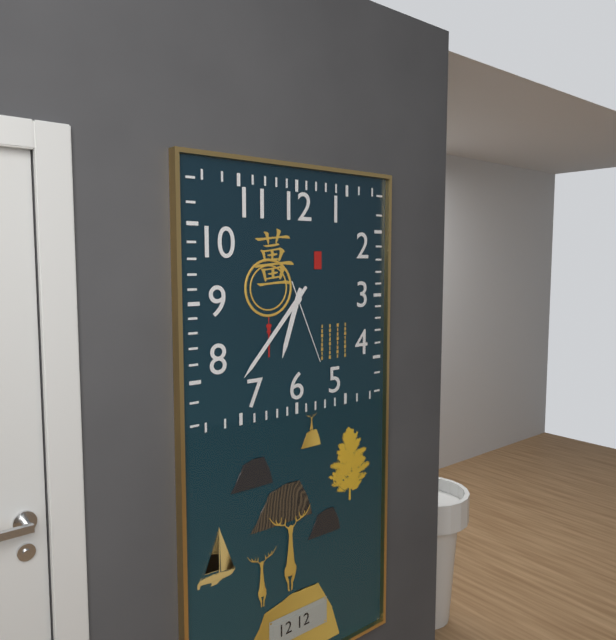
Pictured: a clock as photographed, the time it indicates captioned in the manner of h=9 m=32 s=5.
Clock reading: h=6 m=37 s=26
